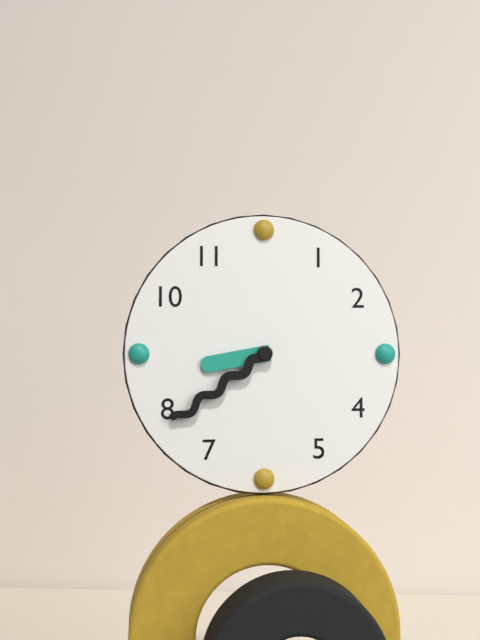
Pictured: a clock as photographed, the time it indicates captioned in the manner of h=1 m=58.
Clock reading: h=8 m=39
